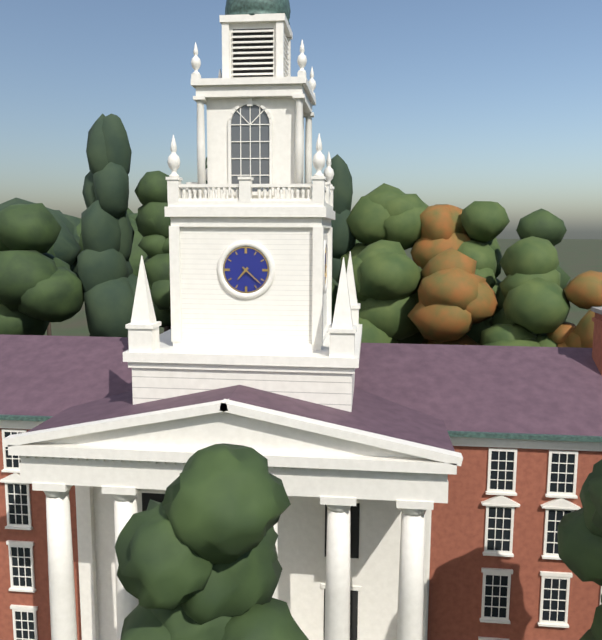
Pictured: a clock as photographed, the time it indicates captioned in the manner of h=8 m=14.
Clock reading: h=7 m=22
